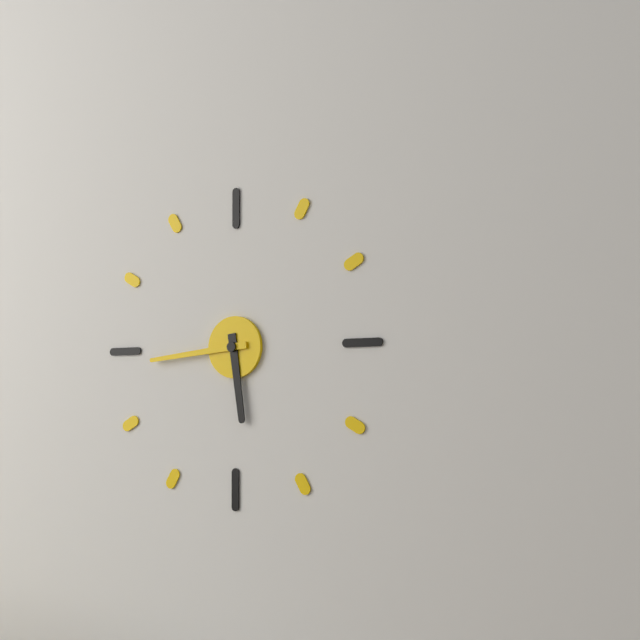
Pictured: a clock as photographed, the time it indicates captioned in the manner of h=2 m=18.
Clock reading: h=5 m=44
